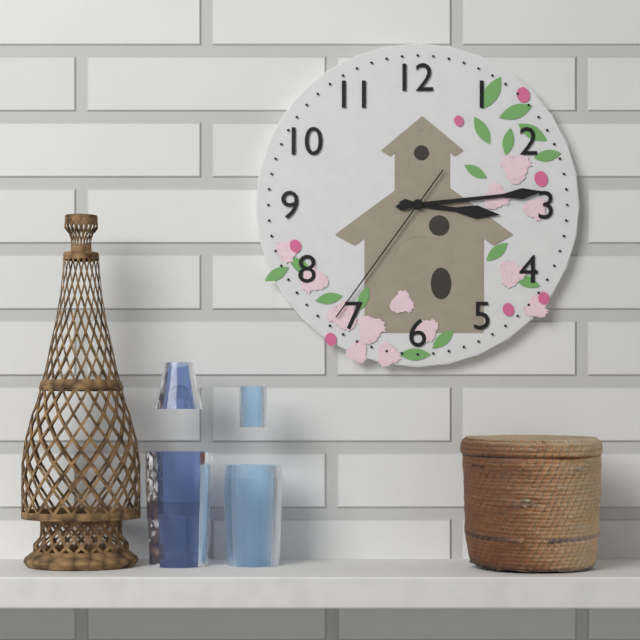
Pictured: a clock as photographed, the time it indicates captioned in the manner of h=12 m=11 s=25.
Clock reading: h=3 m=14 s=36
